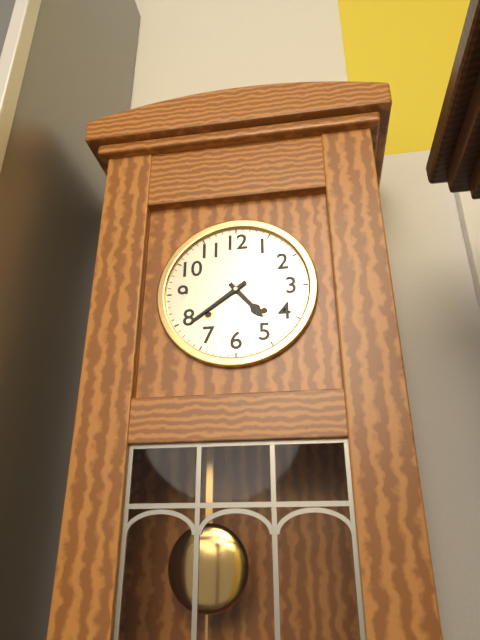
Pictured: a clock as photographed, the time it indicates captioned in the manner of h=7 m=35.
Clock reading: h=4 m=39
